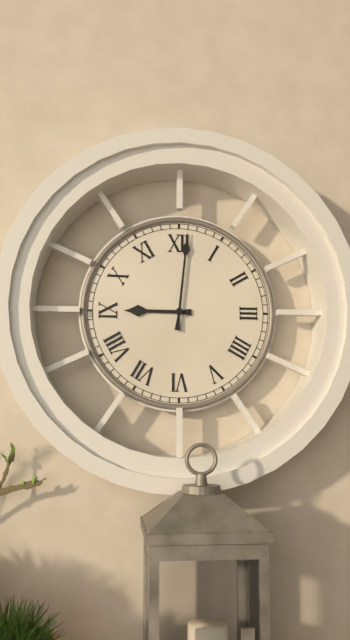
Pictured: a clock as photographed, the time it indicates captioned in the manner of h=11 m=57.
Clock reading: h=9 m=1
